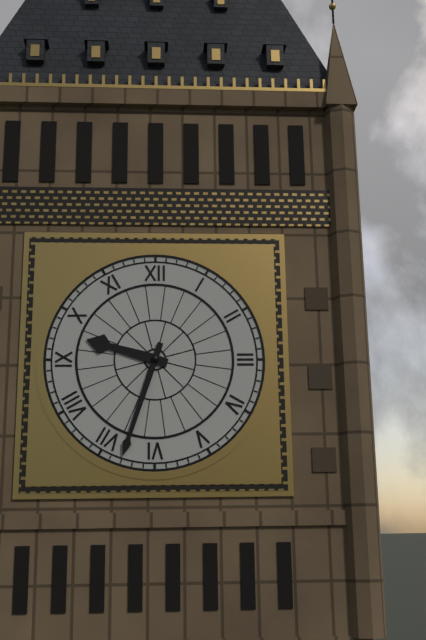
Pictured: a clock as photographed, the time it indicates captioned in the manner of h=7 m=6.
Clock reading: h=9 m=33
